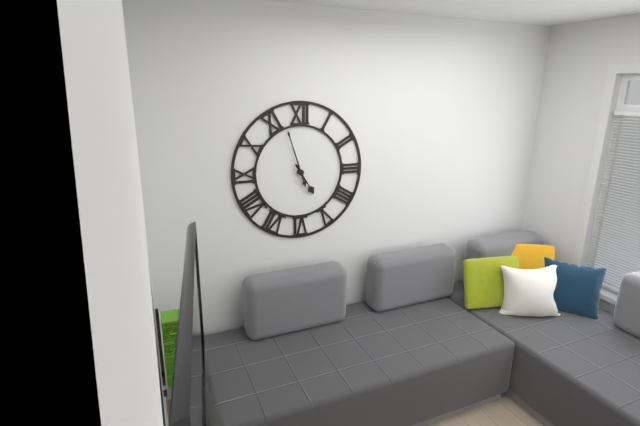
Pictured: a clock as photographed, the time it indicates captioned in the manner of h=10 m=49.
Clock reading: h=4 m=57
